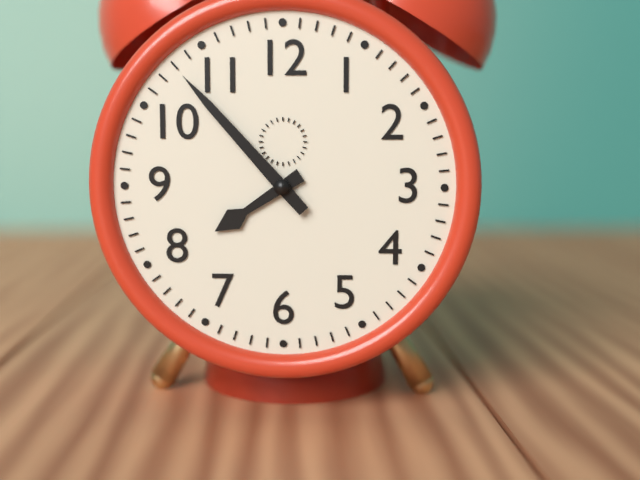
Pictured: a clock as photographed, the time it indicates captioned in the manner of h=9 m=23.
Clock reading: h=7 m=53
